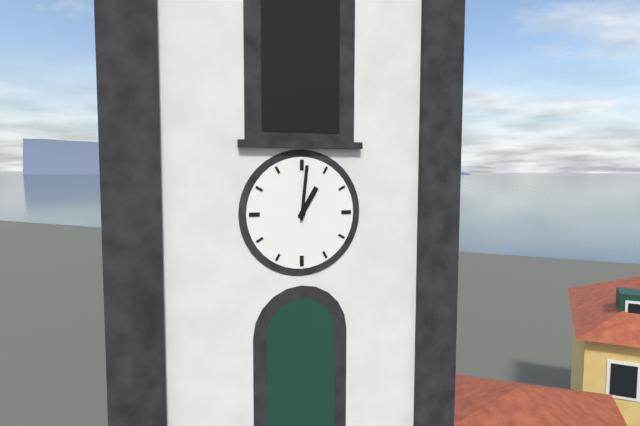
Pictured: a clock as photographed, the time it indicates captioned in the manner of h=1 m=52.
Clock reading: h=1 m=1
